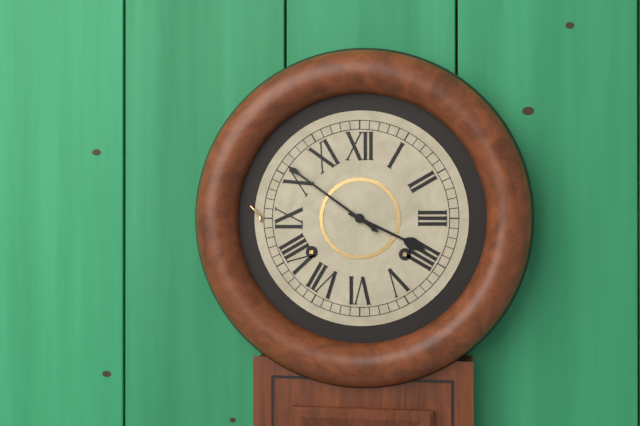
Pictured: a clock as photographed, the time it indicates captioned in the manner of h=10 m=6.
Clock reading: h=3 m=51
